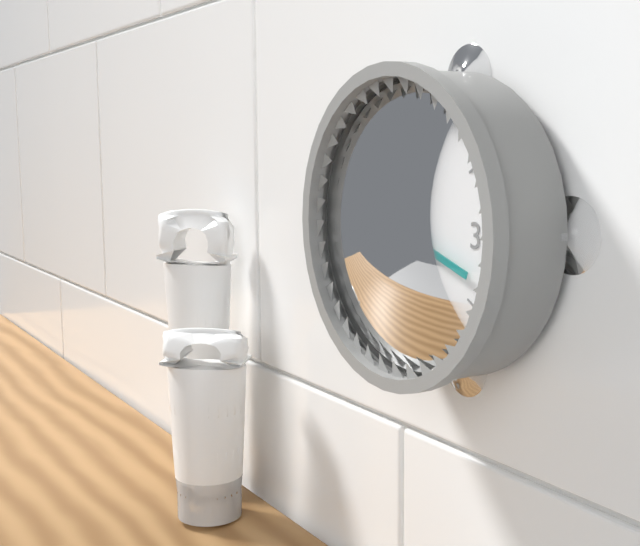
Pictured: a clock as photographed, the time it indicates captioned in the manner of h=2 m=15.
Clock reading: h=12 m=18
